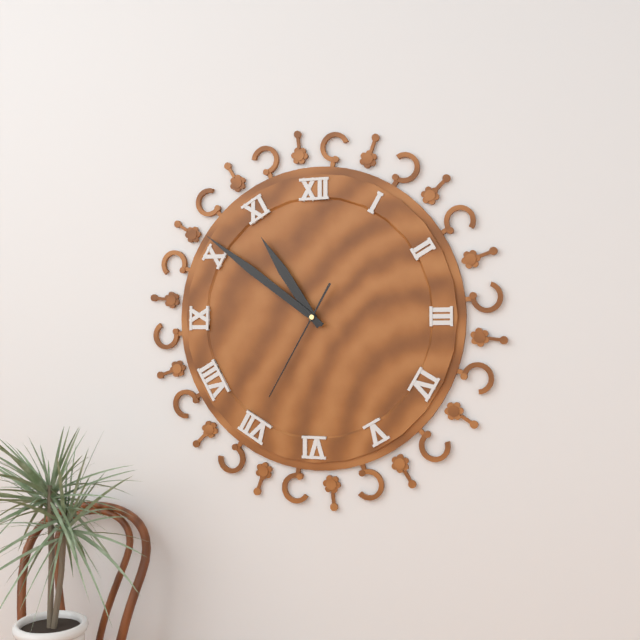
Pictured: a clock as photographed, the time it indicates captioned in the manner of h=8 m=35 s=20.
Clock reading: h=10 m=51 s=35
